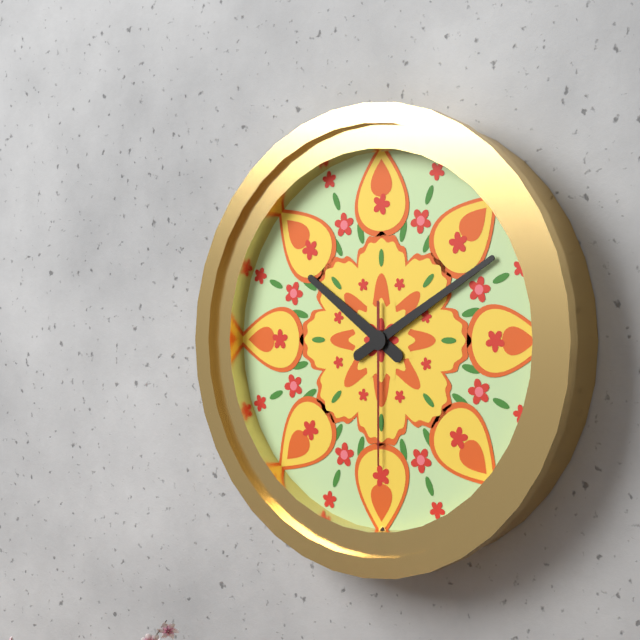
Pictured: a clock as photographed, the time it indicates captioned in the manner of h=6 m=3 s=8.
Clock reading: h=10 m=10 s=30
